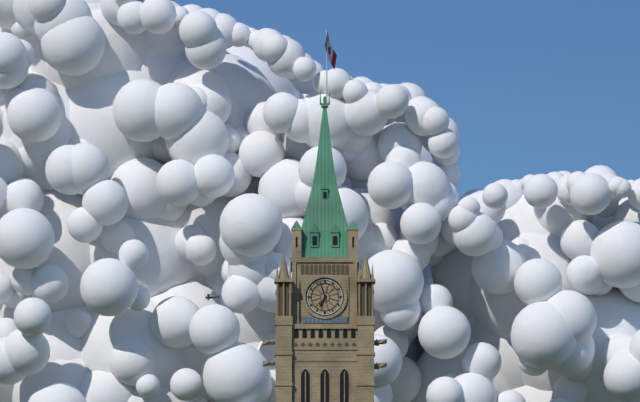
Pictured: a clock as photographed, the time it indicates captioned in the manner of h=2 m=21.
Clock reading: h=6 m=57
